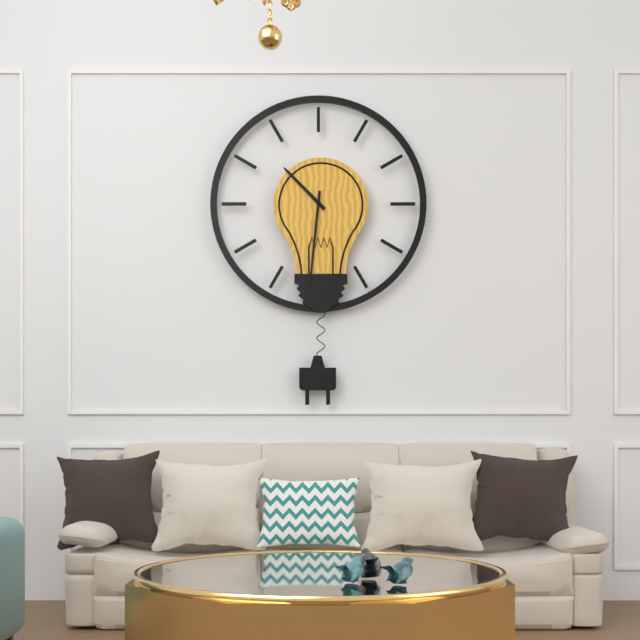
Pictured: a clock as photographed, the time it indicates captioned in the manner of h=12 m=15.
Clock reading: h=10 m=31
